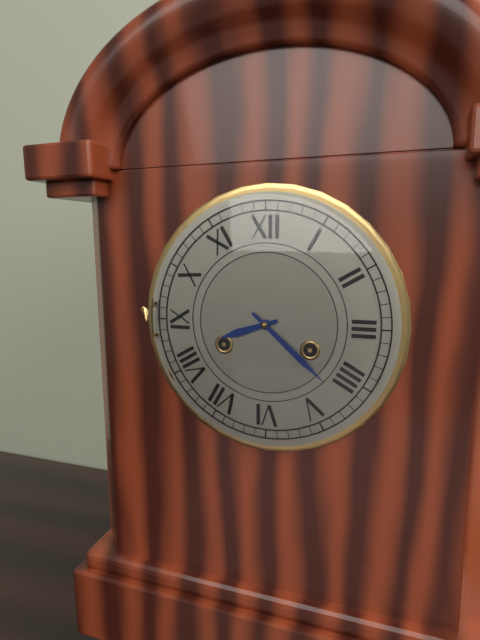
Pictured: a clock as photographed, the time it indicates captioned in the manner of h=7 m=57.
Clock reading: h=8 m=22
